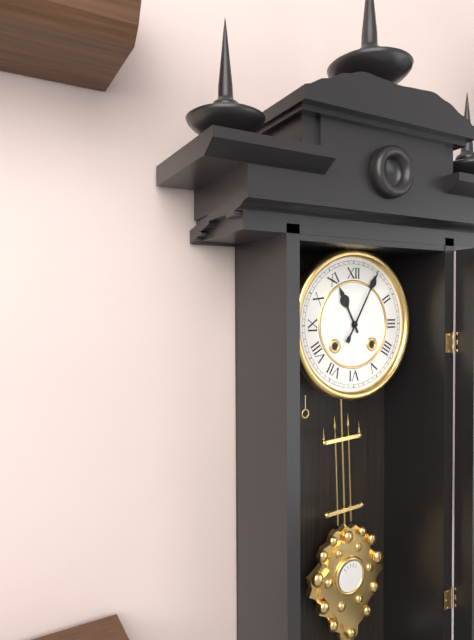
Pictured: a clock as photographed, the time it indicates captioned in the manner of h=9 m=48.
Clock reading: h=11 m=5
